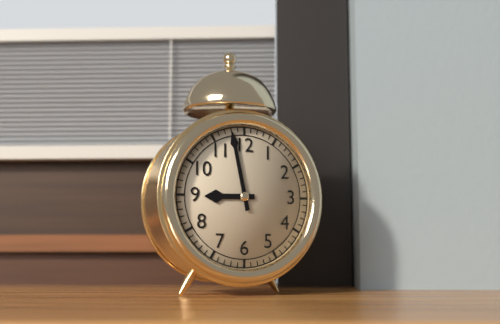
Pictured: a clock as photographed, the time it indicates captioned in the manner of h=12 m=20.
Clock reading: h=8 m=58
